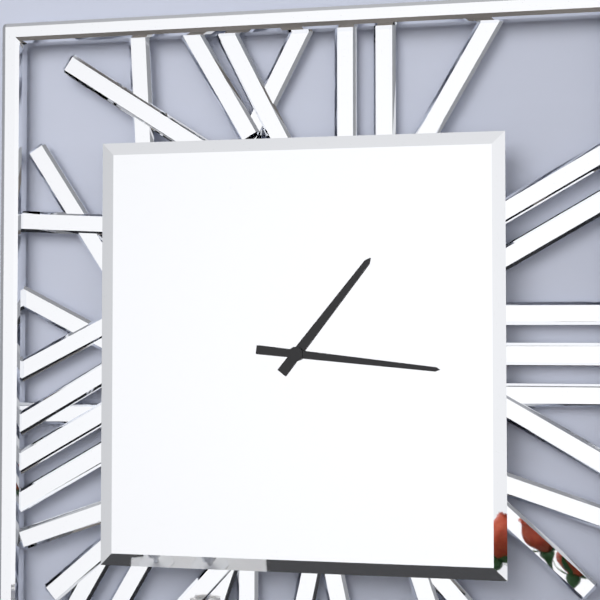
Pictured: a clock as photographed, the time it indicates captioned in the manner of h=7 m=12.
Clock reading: h=1 m=16
